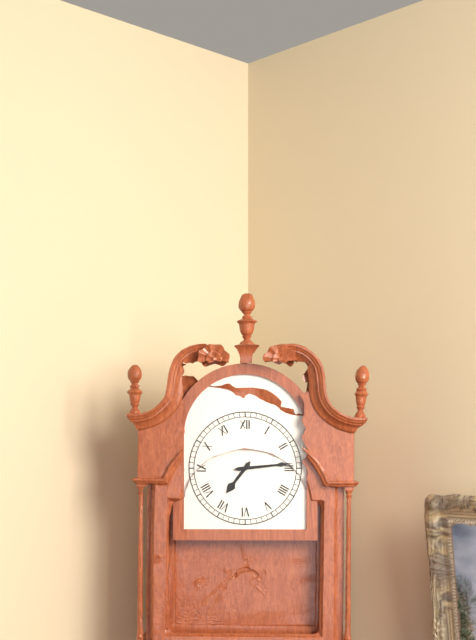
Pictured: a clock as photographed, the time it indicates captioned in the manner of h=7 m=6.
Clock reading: h=7 m=14
